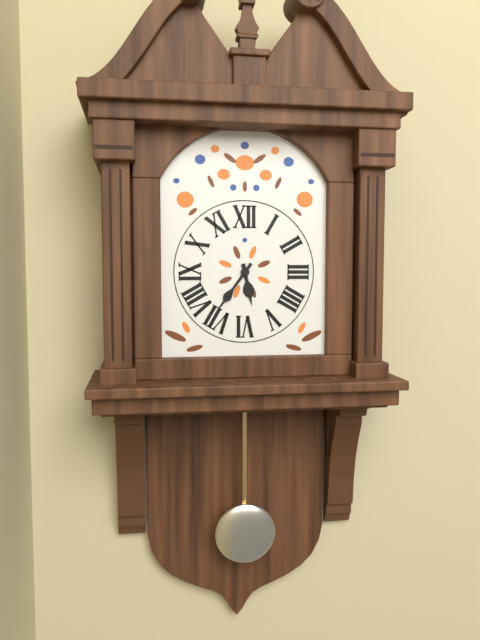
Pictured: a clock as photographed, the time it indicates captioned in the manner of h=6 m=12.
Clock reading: h=5 m=36
